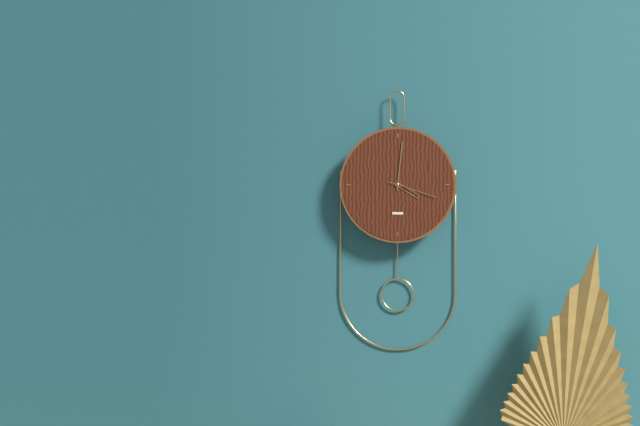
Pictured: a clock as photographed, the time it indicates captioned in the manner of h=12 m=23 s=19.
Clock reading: h=4 m=1 s=18
